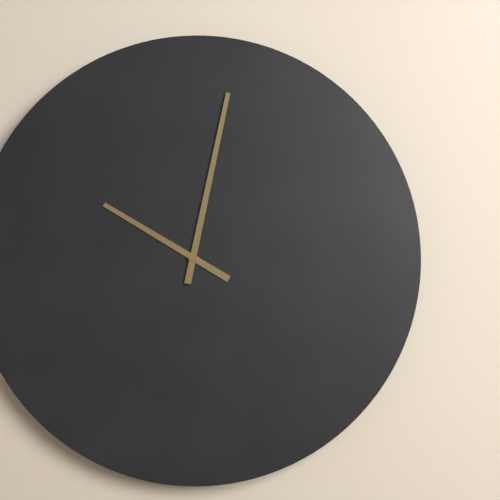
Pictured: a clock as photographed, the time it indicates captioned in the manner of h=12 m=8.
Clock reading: h=10 m=2
